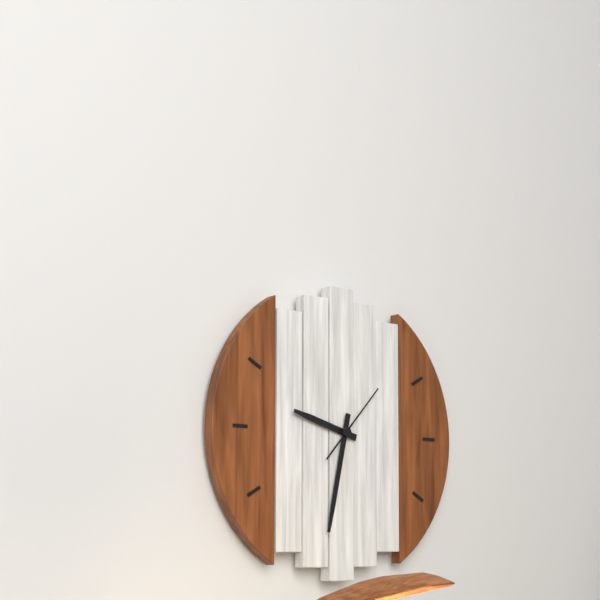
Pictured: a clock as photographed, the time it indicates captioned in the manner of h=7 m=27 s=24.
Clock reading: h=9 m=32 s=7
